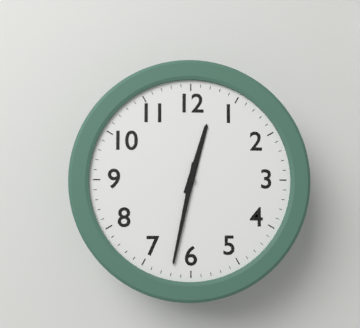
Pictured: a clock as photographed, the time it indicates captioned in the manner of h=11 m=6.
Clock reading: h=12 m=32
